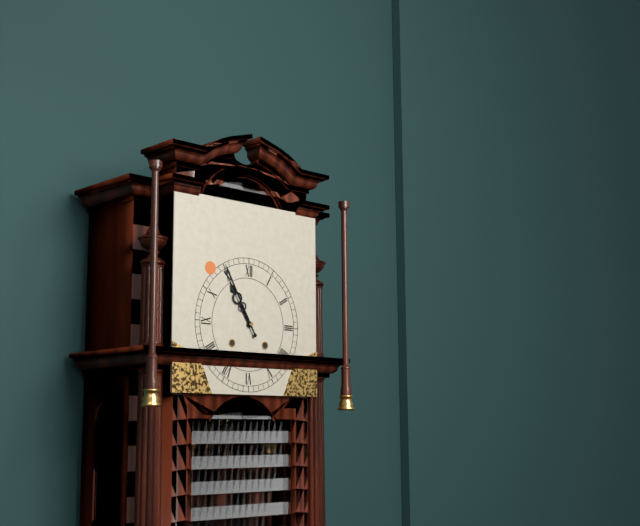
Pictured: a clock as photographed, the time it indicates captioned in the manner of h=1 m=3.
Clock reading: h=10 m=55
